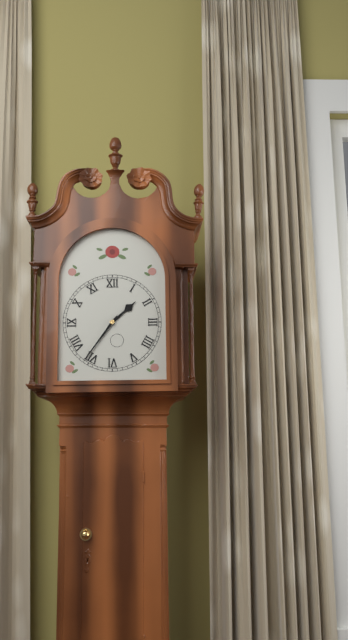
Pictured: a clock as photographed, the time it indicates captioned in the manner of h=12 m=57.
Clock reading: h=1 m=36
